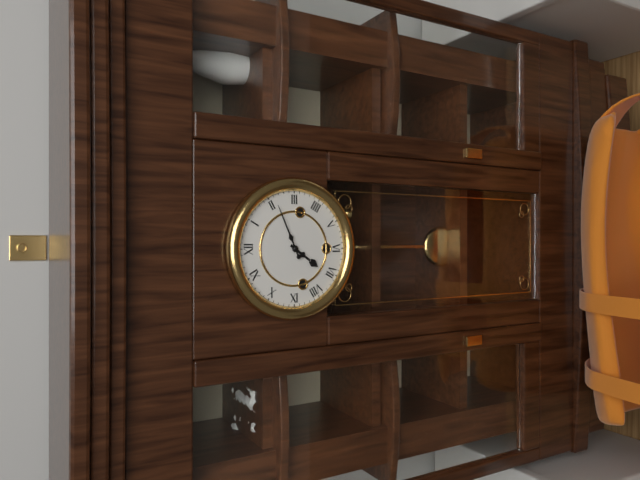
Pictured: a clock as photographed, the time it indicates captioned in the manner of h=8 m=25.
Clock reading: h=7 m=11
